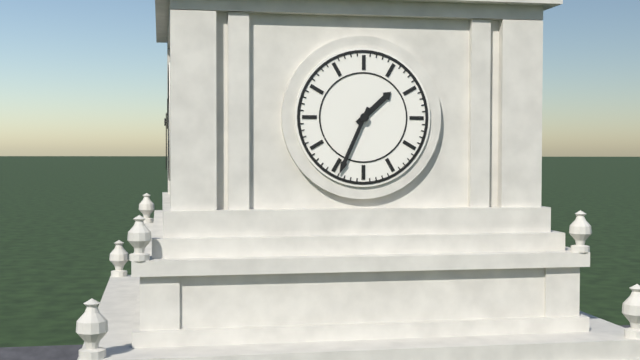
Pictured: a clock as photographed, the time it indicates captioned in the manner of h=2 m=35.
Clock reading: h=1 m=34
